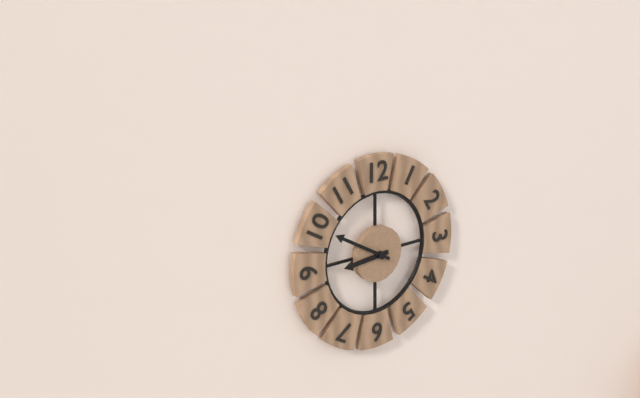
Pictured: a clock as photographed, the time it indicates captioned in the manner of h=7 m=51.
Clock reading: h=8 m=50
